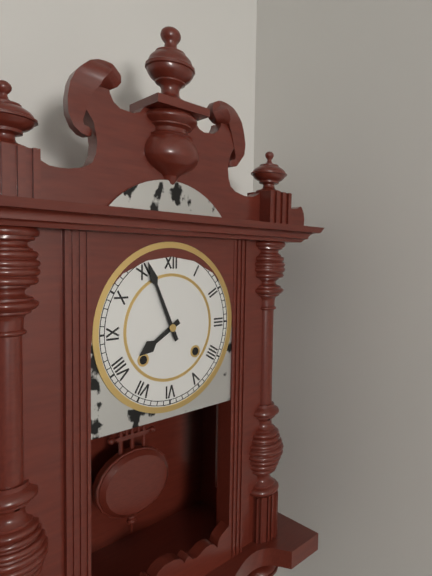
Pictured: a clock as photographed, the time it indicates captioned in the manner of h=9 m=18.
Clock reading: h=7 m=56
